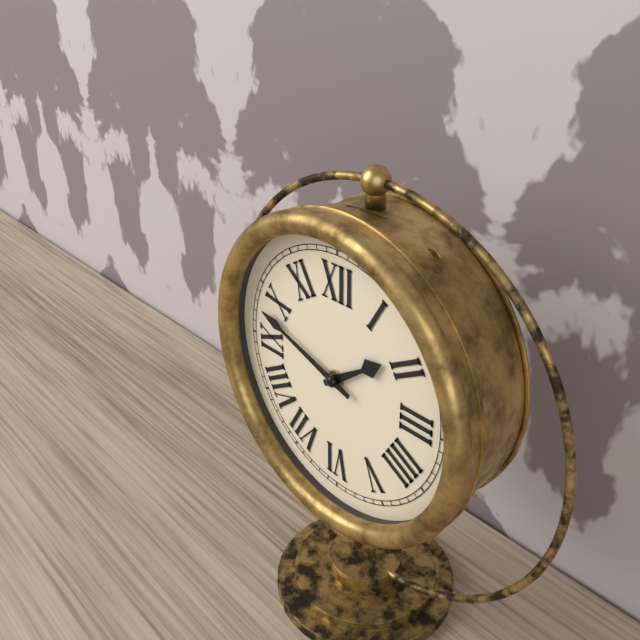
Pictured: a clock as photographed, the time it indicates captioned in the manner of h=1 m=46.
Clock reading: h=1 m=48
